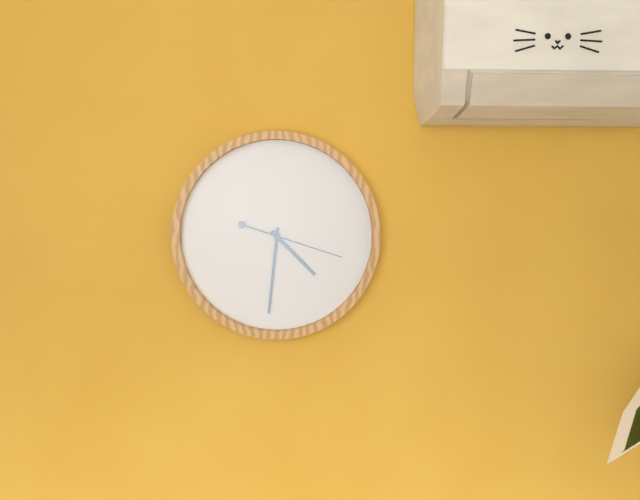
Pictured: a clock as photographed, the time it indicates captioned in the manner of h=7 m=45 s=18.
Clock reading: h=4 m=31 s=18
